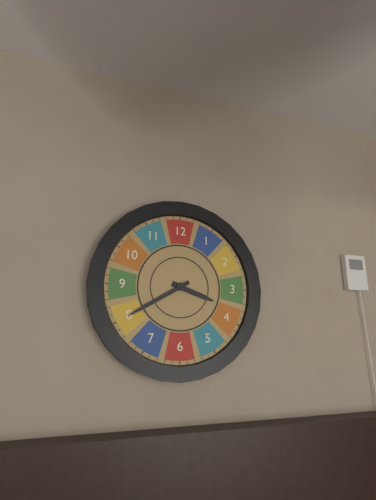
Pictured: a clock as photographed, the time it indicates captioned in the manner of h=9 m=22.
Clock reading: h=3 m=40
